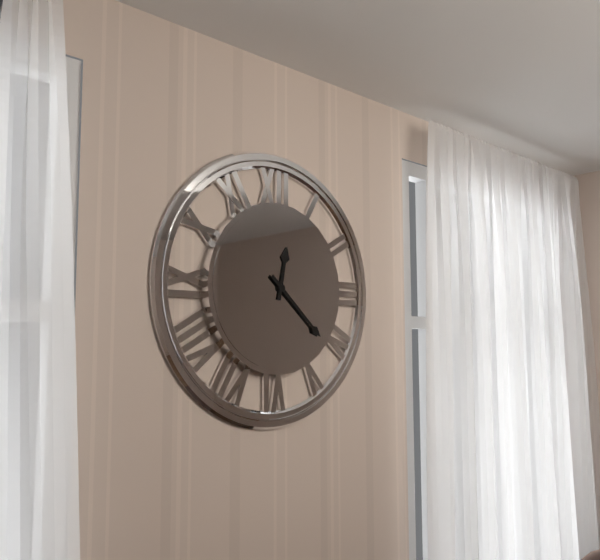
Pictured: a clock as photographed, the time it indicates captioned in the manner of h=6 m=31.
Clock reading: h=12 m=22
